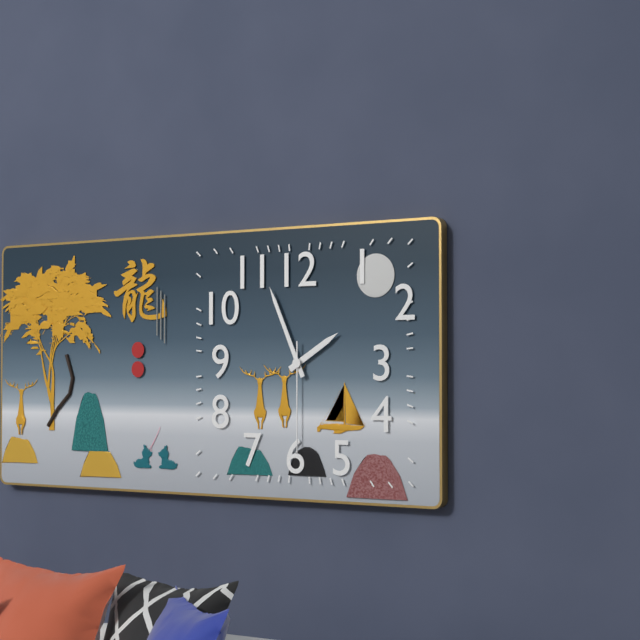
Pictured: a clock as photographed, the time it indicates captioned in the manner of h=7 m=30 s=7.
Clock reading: h=1 m=56 s=30
